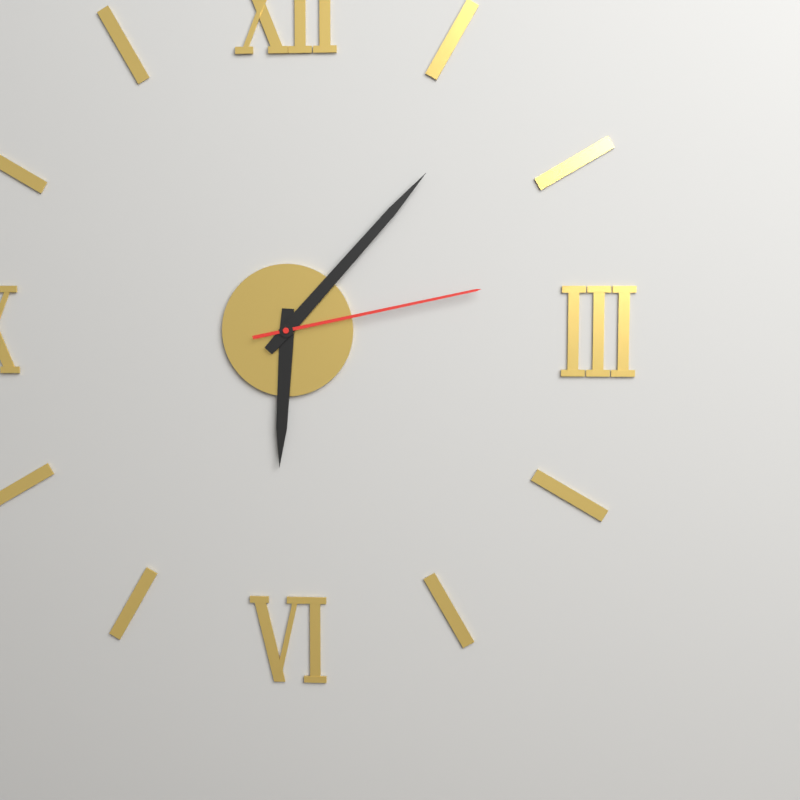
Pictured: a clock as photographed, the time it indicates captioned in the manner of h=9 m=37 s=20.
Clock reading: h=6 m=7 s=13
